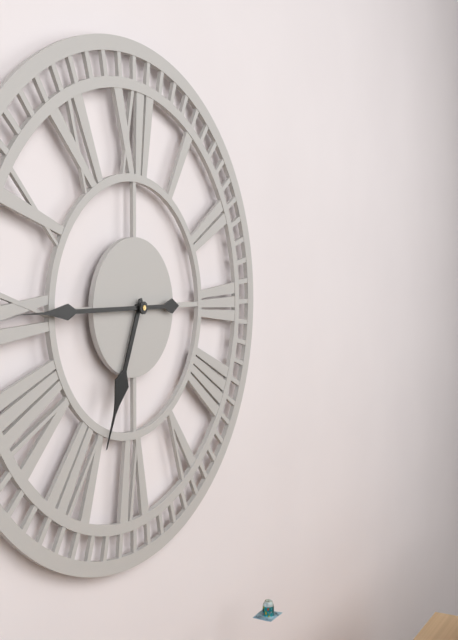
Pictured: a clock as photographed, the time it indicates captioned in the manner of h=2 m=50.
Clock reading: h=6 m=45
